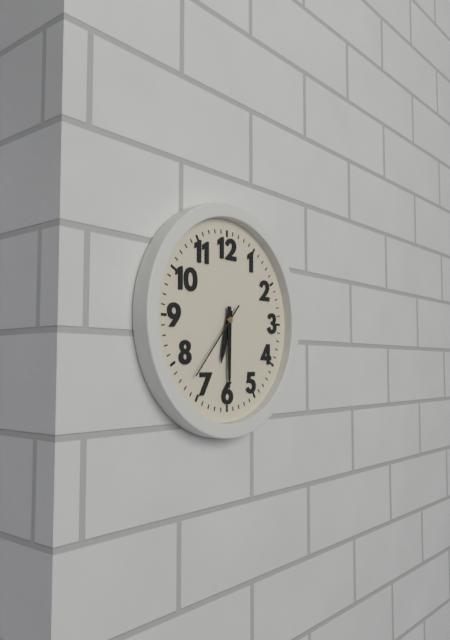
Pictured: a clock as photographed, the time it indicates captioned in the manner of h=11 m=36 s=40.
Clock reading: h=6 m=30 s=37
